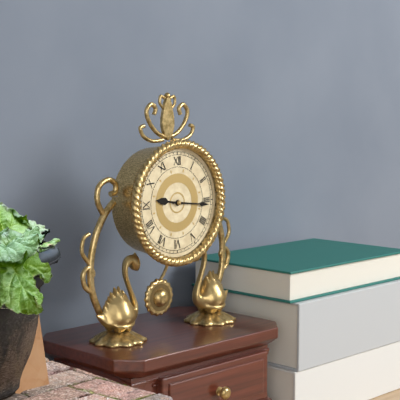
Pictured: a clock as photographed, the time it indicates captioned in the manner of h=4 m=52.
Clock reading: h=9 m=16
